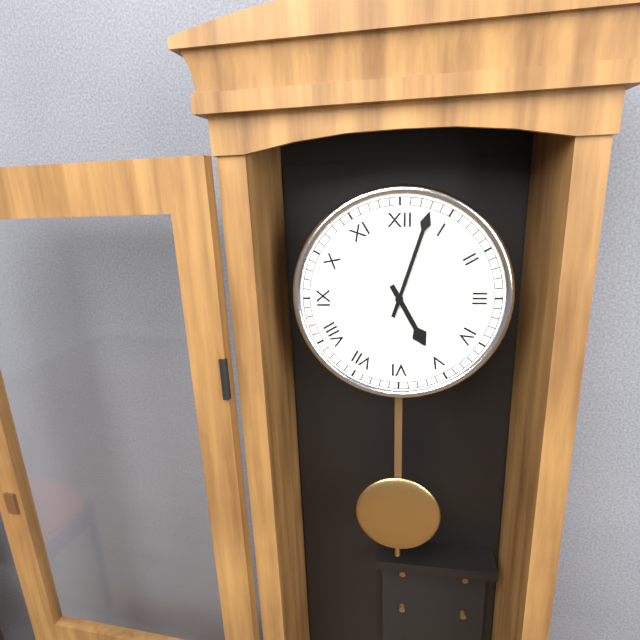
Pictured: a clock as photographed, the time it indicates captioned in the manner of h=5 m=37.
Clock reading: h=5 m=3
